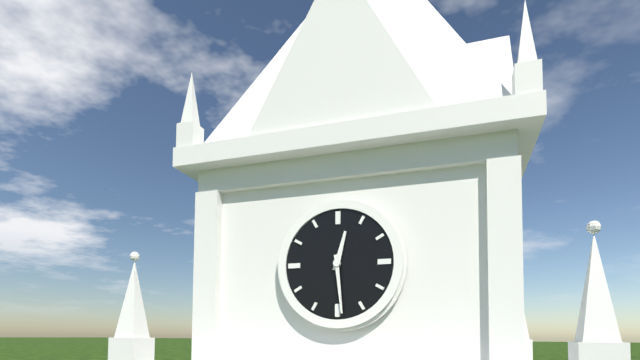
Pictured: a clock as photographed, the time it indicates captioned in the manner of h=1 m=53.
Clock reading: h=12 m=29
